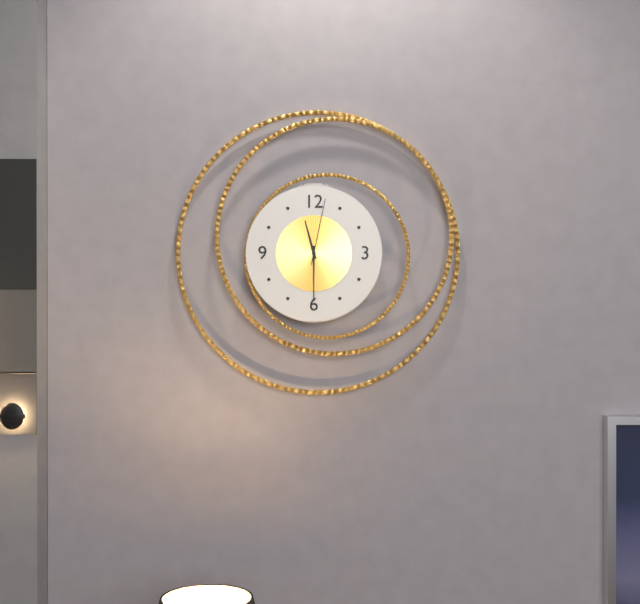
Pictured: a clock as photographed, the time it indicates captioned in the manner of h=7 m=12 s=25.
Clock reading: h=11 m=30 s=2
